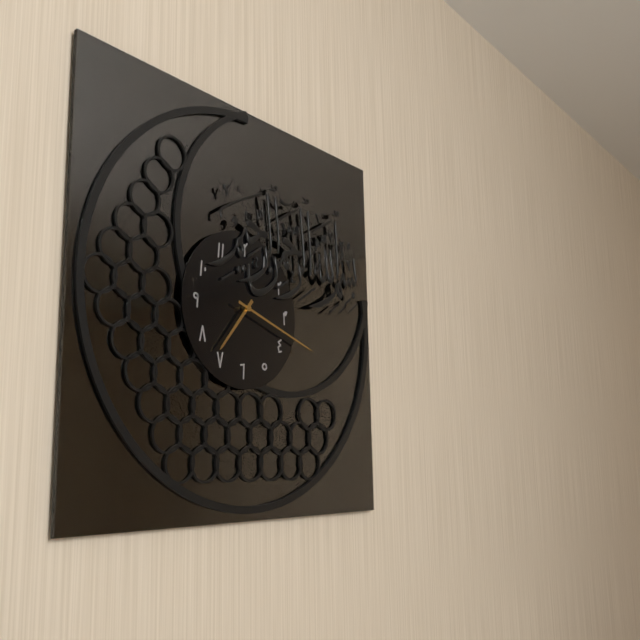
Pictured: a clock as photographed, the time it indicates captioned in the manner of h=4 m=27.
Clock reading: h=7 m=18
